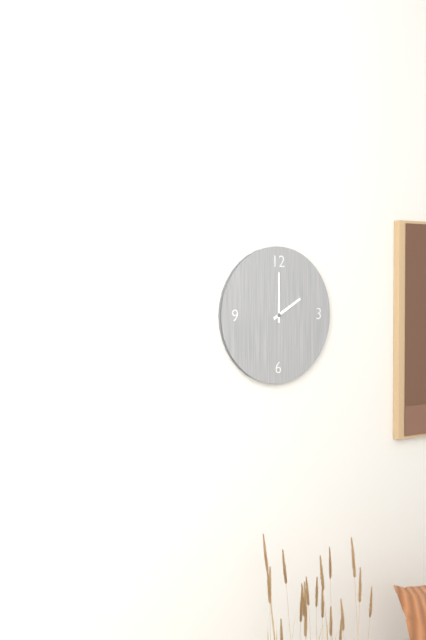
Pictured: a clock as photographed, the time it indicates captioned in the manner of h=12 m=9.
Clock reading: h=2 m=0
